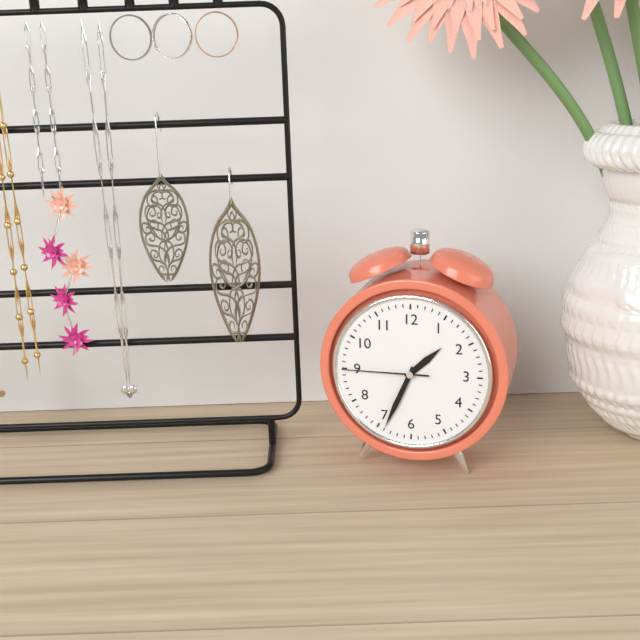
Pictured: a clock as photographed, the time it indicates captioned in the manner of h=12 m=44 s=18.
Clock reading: h=1 m=34 s=45
